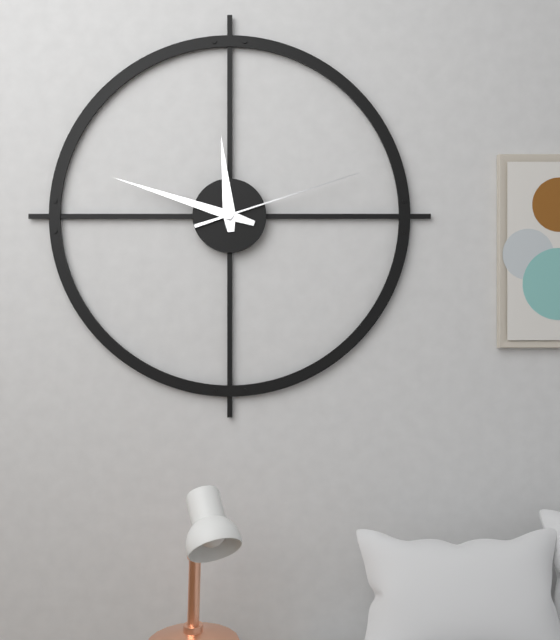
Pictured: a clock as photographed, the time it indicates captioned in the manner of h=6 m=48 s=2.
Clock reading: h=11 m=48 s=12
